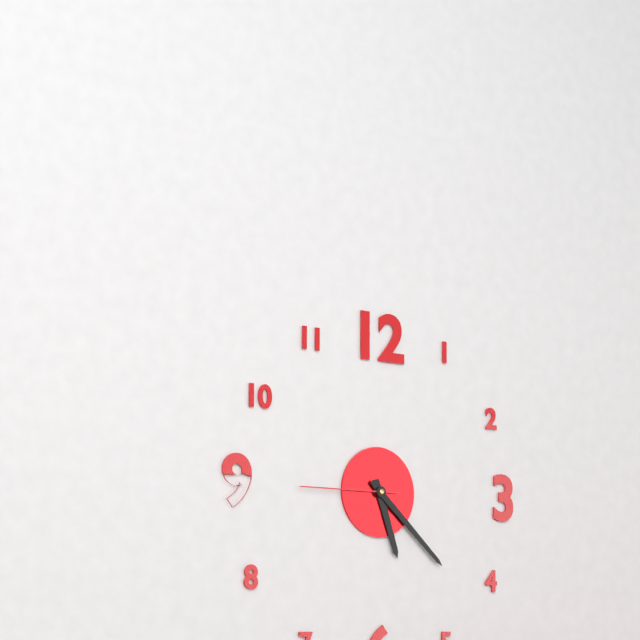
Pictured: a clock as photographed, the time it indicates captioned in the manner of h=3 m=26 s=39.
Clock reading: h=5 m=22 s=45
